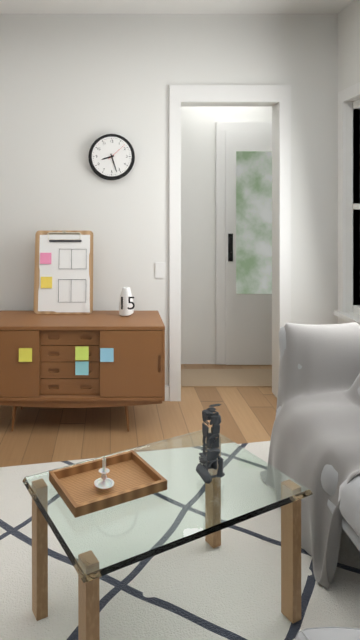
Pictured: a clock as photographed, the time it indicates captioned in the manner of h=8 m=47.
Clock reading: h=8 m=27
